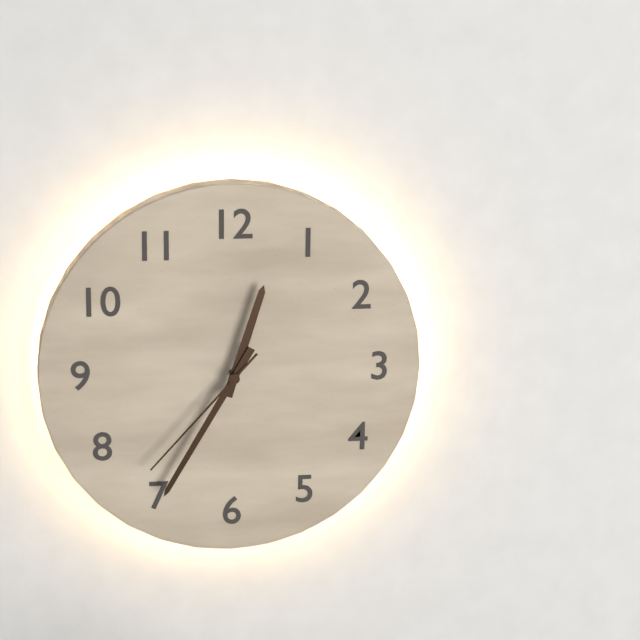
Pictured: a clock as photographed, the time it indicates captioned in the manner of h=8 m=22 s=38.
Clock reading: h=12 m=35 s=37
